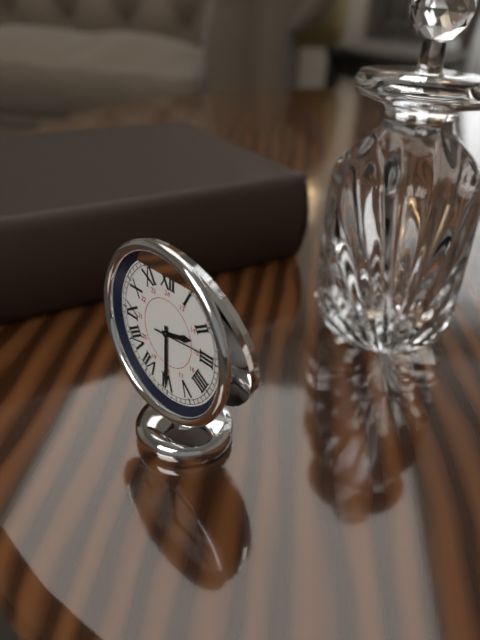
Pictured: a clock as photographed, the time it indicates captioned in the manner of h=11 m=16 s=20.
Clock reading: h=2 m=30 s=14
